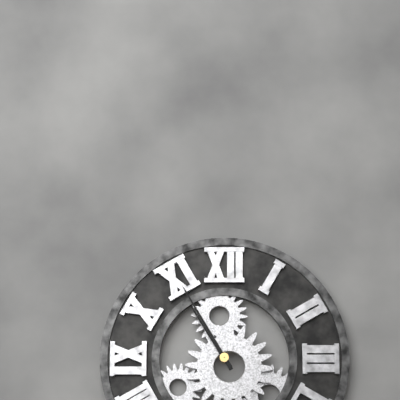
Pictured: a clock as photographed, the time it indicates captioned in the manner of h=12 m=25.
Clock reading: h=10 m=55
